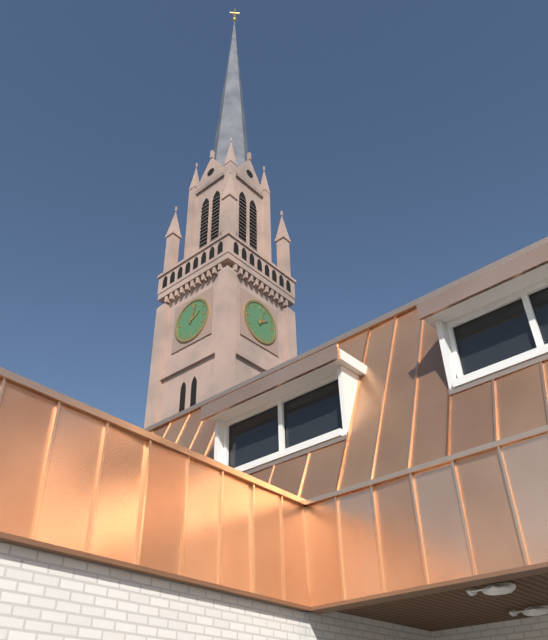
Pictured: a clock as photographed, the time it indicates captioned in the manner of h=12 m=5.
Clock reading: h=2 m=3
